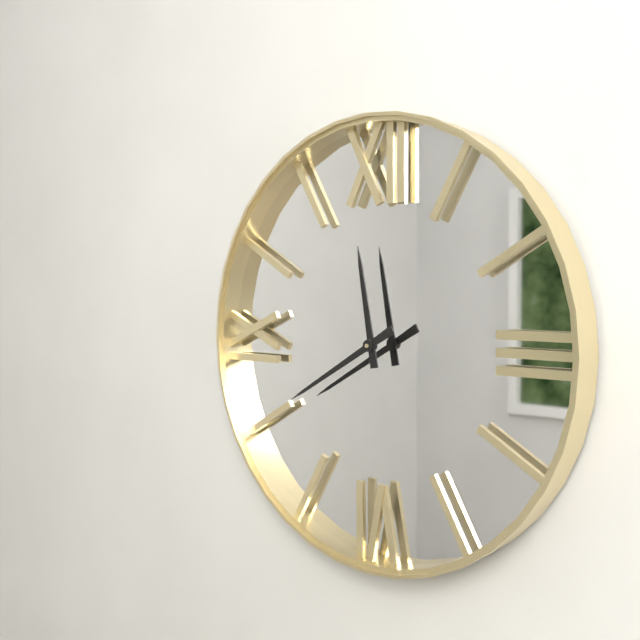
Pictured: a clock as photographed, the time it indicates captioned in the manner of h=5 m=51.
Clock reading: h=11 m=40
